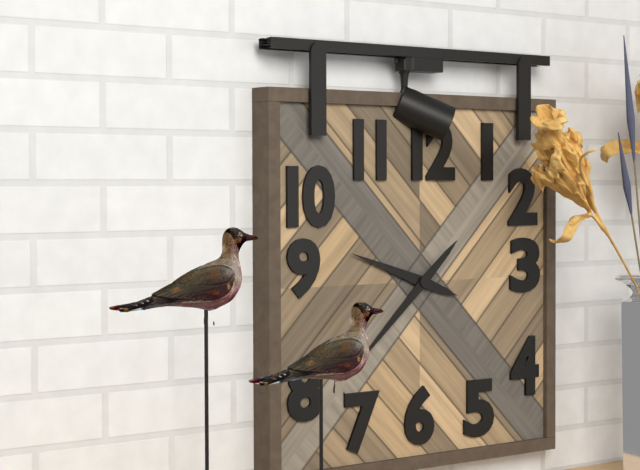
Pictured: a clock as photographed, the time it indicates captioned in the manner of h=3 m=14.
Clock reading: h=9 m=38
